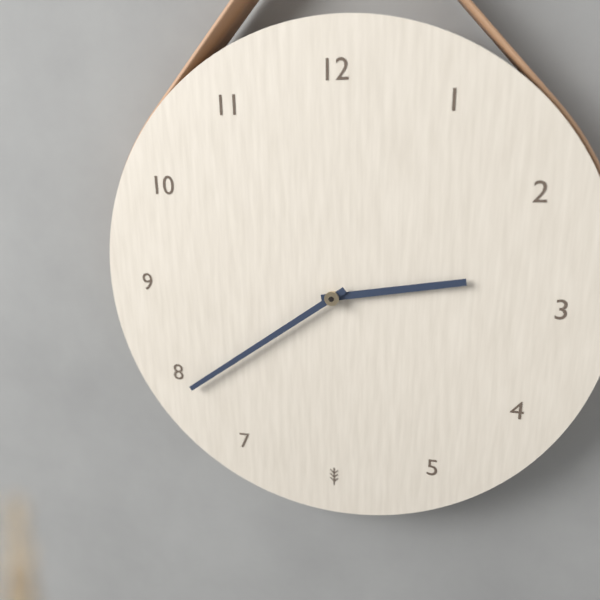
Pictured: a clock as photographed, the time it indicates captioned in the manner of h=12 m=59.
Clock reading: h=2 m=39
